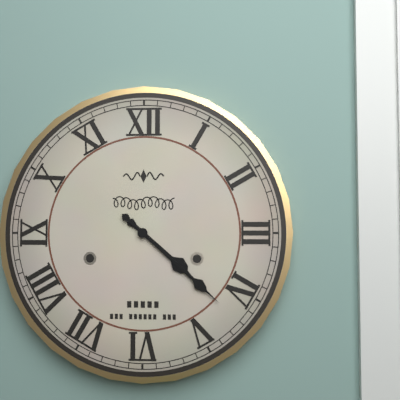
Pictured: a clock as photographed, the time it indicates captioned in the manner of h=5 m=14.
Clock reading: h=4 m=22
